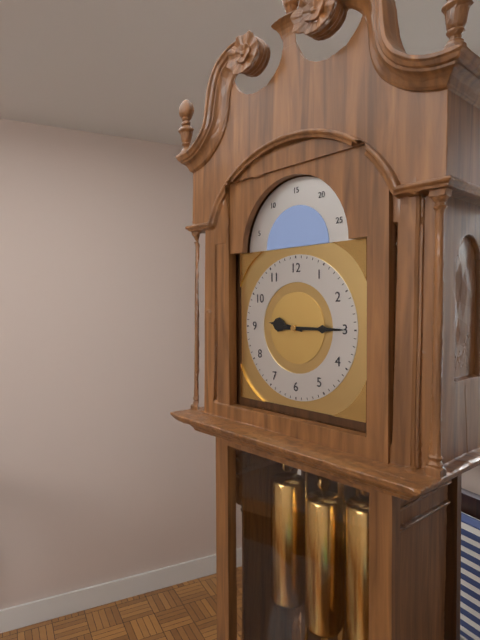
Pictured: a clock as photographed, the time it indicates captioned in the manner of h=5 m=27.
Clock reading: h=9 m=15
